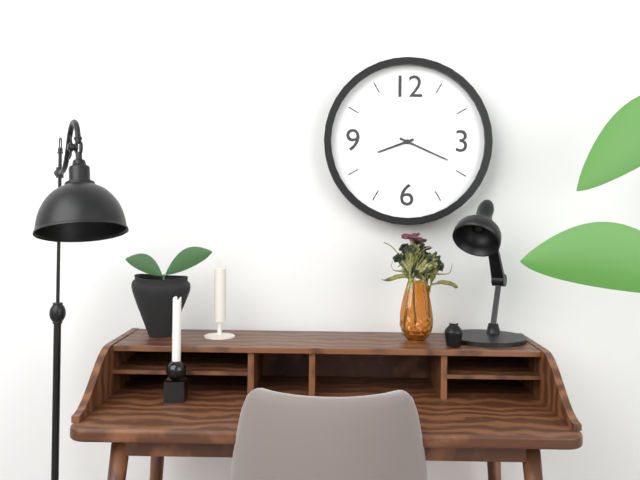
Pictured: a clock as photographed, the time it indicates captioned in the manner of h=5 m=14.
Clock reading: h=8 m=19
